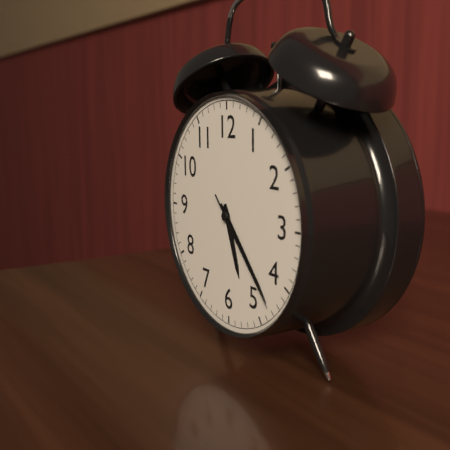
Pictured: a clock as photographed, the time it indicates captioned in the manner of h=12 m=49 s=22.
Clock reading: h=5 m=23 s=23
